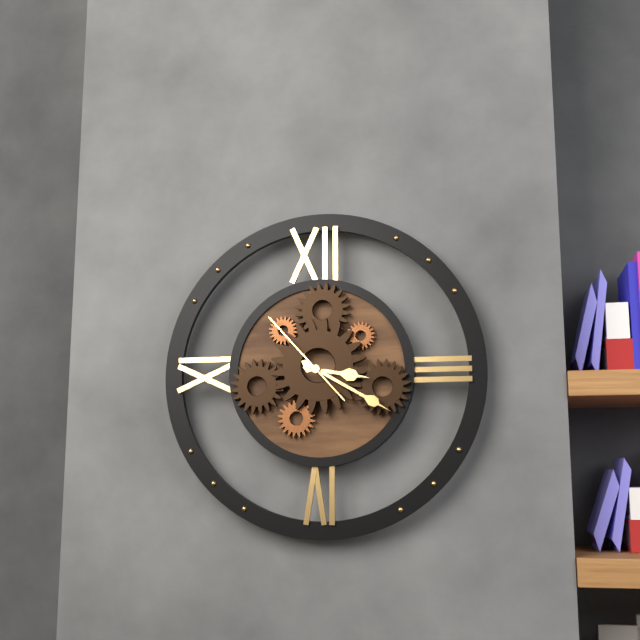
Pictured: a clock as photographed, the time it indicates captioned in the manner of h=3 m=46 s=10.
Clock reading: h=3 m=20 s=53
